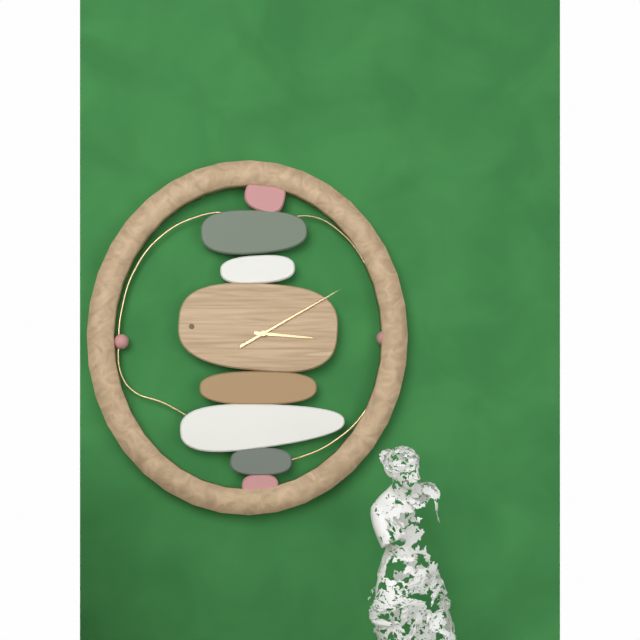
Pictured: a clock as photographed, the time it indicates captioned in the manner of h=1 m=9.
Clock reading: h=3 m=10
